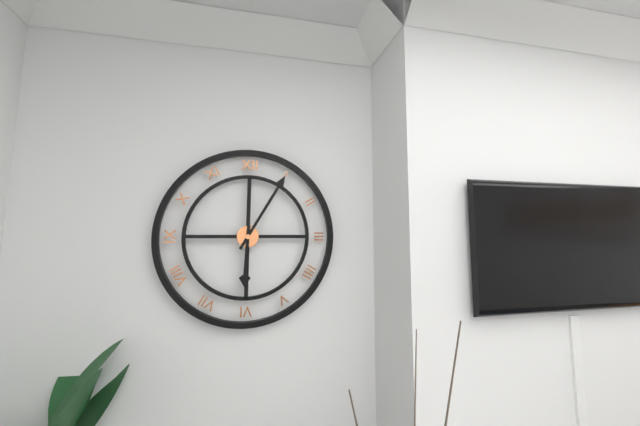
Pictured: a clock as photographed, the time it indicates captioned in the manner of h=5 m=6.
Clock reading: h=6 m=5
